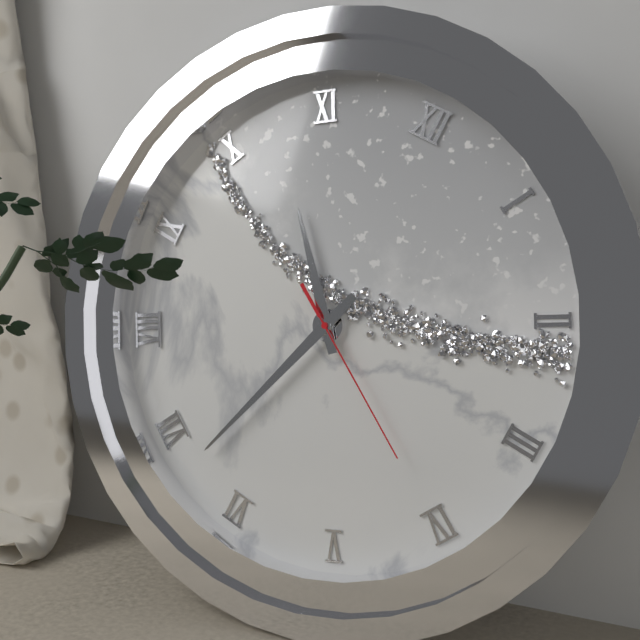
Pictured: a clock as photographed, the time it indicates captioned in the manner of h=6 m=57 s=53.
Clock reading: h=10 m=33 s=20
